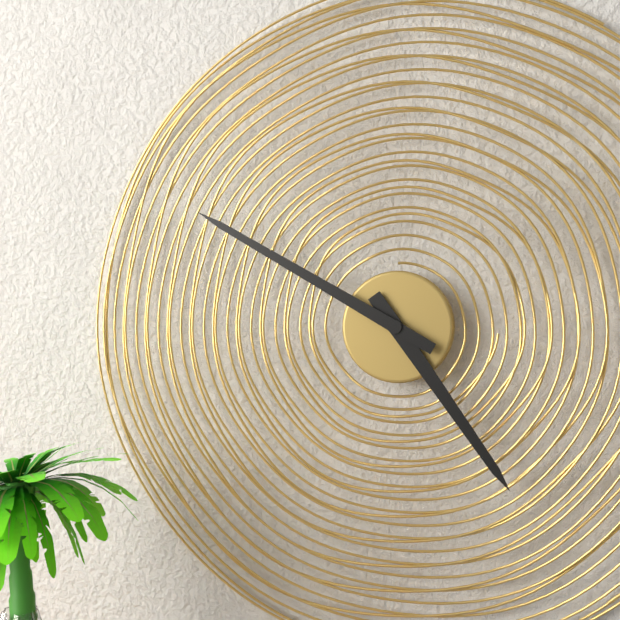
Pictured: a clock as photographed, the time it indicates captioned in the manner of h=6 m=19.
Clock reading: h=4 m=50
